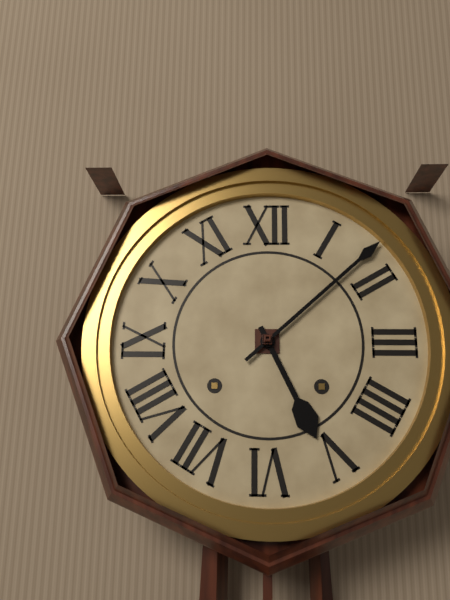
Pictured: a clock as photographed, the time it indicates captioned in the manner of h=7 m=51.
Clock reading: h=5 m=8
